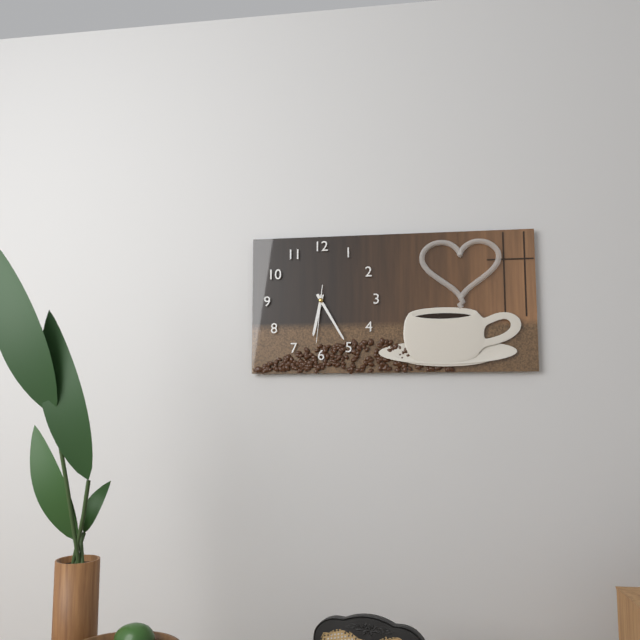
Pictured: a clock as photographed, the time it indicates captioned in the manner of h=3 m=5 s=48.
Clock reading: h=6 m=25 s=31
